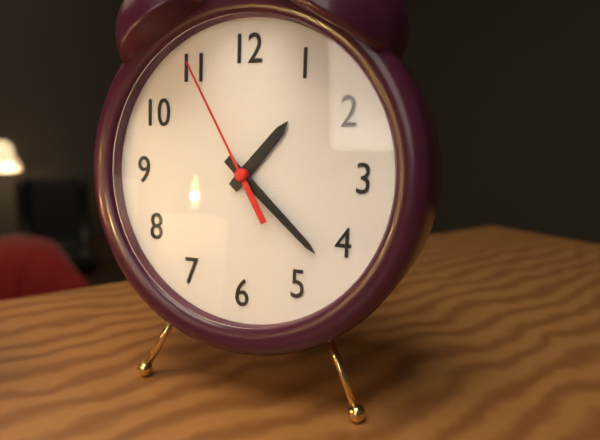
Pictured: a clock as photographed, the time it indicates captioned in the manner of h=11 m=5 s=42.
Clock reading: h=1 m=22 s=55
